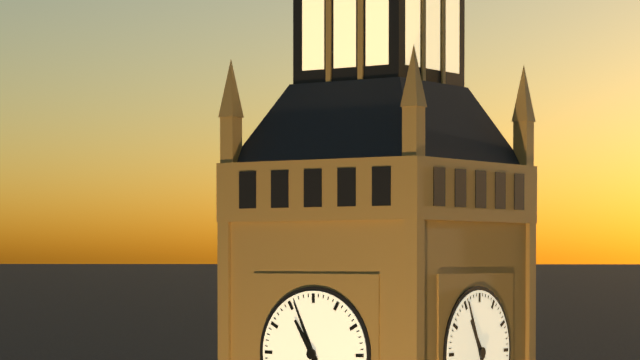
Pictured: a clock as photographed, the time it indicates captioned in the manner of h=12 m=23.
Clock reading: h=10 m=56
